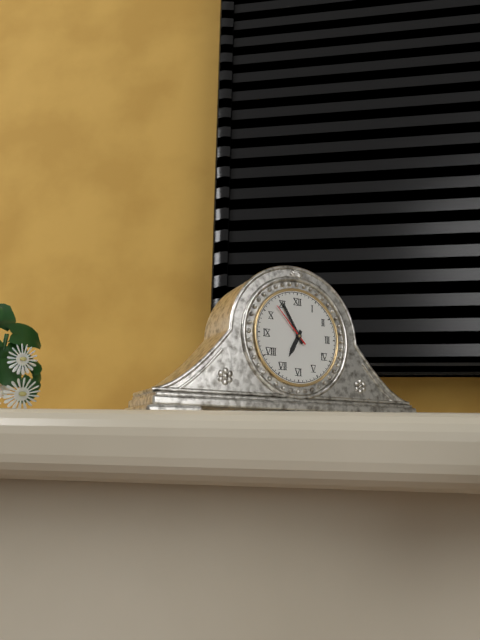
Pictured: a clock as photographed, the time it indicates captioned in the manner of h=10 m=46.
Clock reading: h=6 m=55
